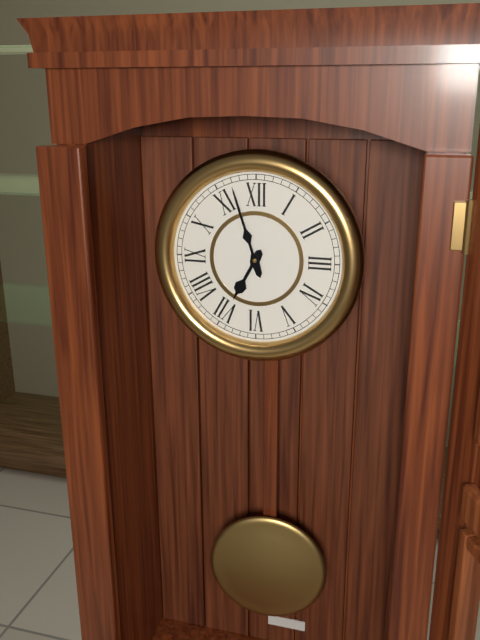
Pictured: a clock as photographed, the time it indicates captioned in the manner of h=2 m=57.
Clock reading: h=6 m=57
